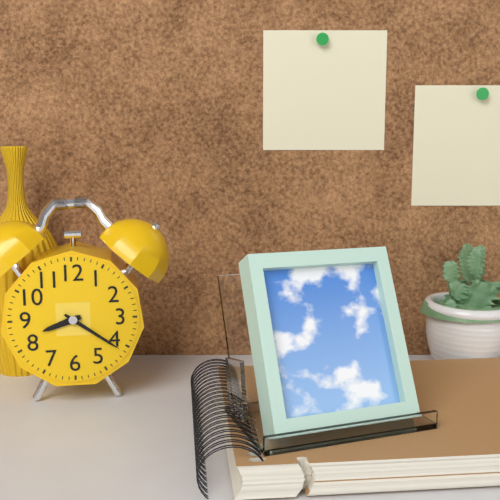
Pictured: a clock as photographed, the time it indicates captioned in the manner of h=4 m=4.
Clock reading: h=8 m=21
